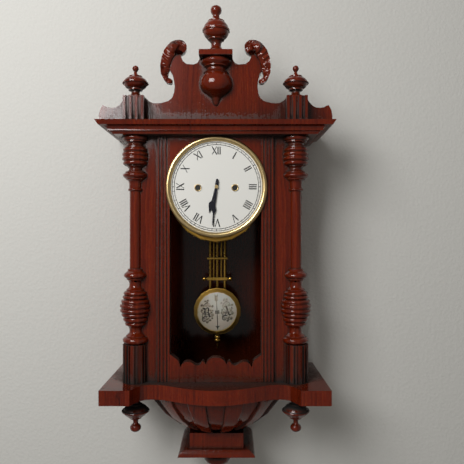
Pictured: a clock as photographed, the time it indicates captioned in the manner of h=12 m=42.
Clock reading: h=6 m=31
